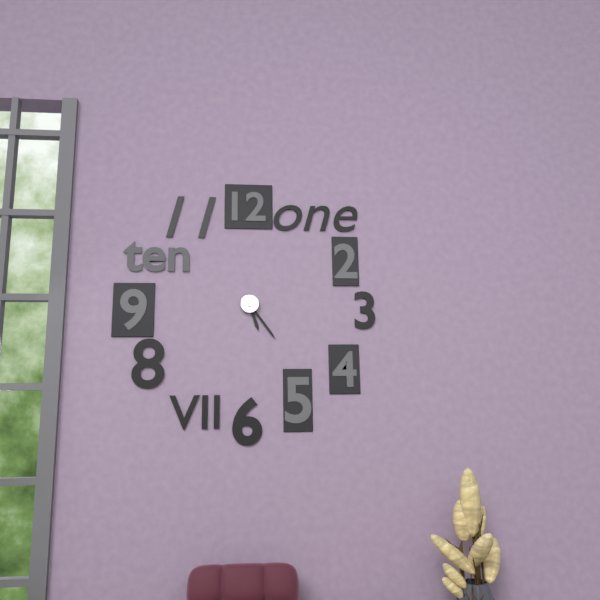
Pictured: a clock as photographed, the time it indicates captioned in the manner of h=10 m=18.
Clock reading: h=5 m=24
